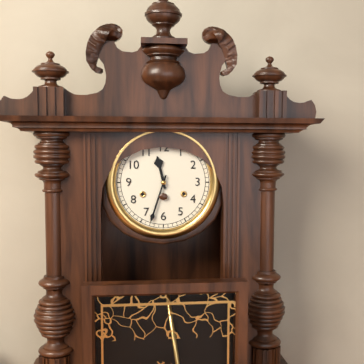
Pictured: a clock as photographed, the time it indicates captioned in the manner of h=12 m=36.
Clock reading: h=11 m=33
